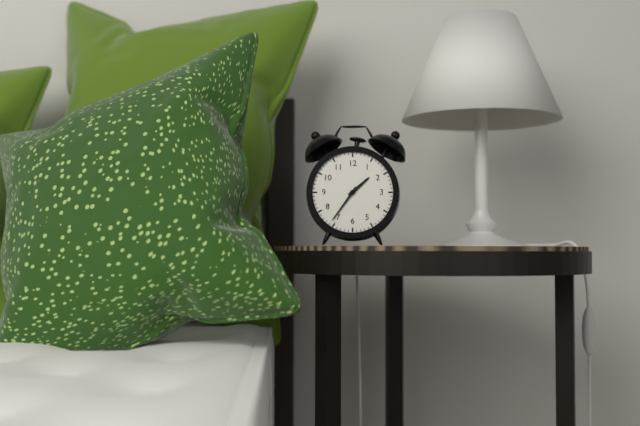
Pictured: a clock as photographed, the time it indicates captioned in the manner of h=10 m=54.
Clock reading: h=1 m=36
